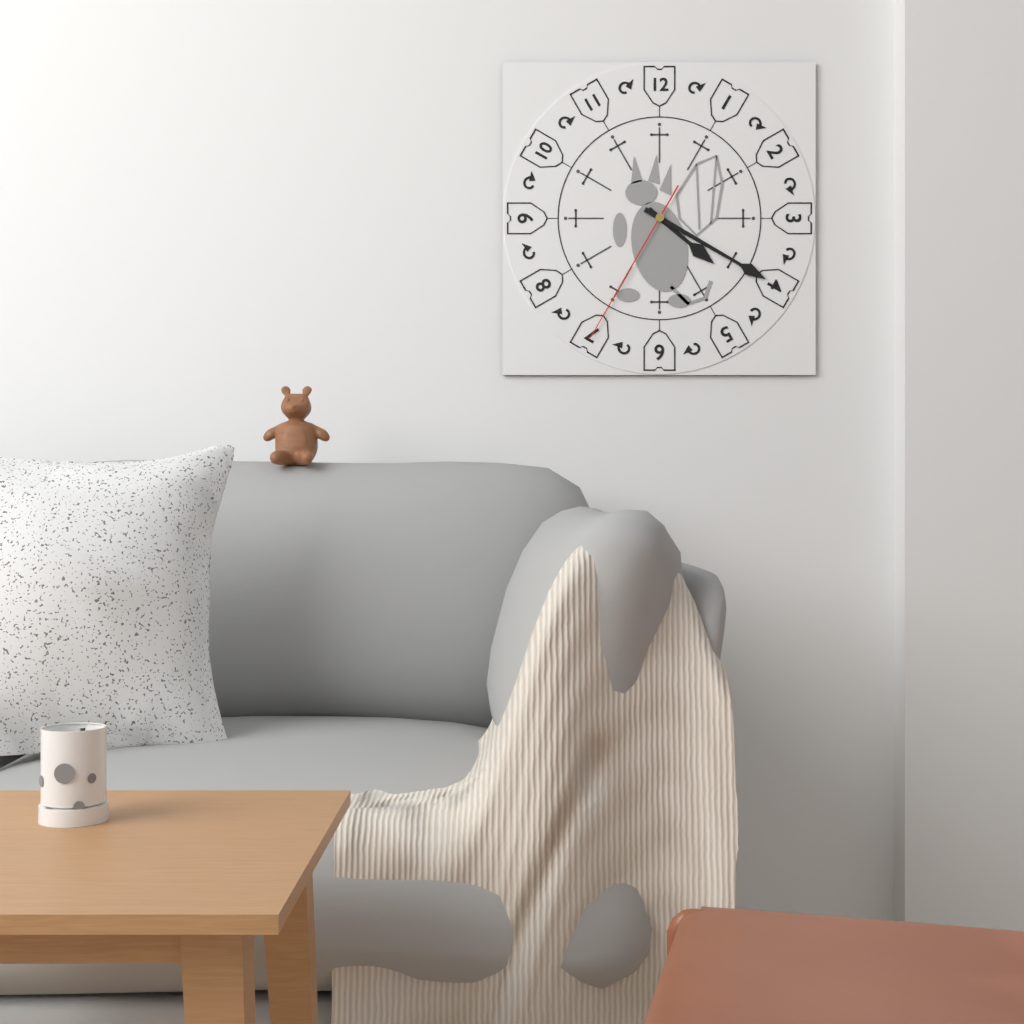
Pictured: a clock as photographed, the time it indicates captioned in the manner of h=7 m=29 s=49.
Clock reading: h=4 m=20 s=35
